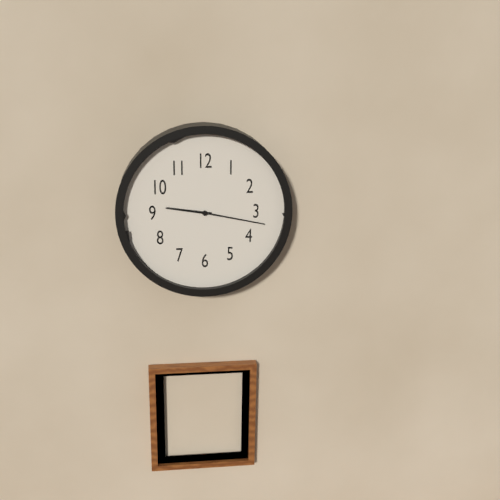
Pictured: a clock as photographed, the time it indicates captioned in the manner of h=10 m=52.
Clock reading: h=9 m=17
